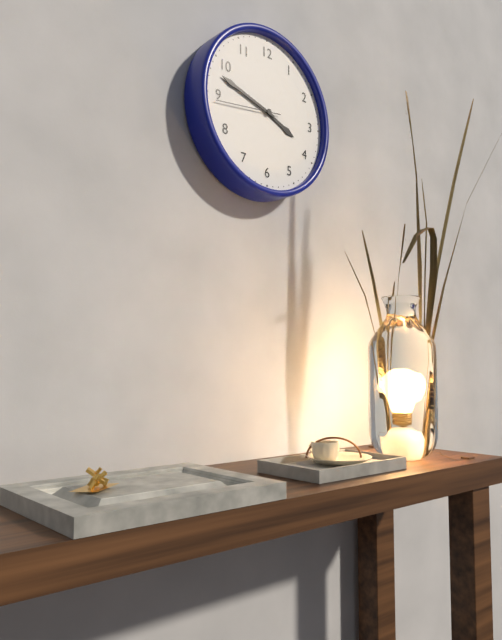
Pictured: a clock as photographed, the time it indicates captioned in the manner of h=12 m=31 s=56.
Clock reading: h=3 m=48 s=44
